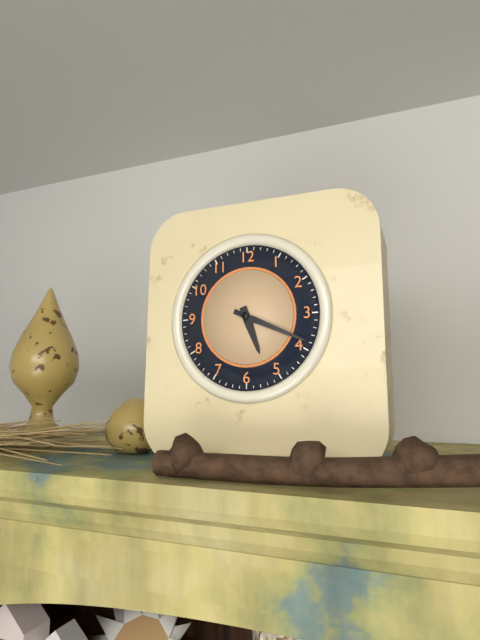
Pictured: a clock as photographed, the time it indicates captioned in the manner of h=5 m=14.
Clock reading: h=5 m=19
